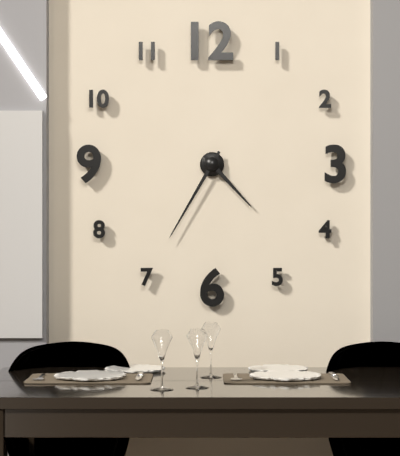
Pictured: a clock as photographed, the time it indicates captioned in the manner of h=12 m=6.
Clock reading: h=4 m=35
